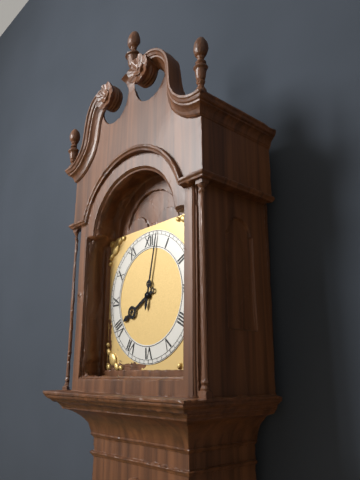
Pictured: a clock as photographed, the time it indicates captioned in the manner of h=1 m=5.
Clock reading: h=8 m=2
